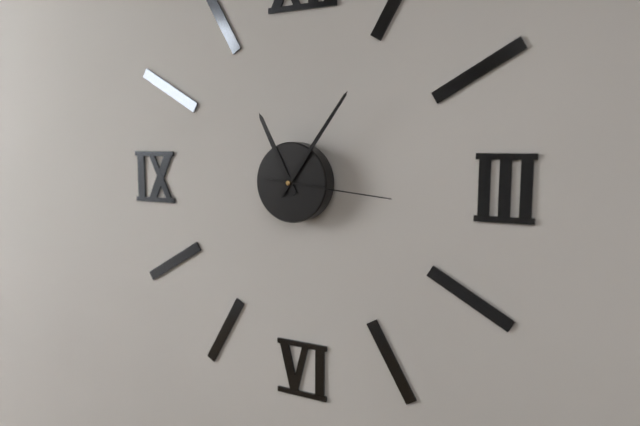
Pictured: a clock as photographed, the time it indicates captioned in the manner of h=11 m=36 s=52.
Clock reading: h=11 m=6 s=16
